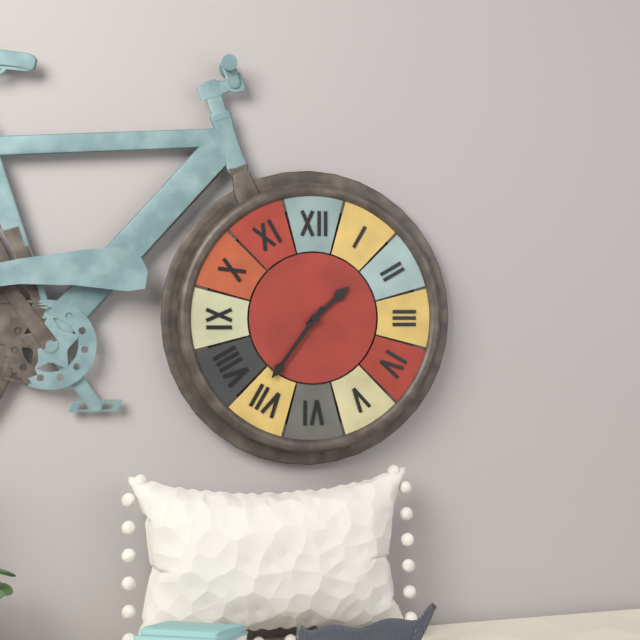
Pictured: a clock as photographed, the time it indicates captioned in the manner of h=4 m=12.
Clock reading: h=1 m=36
